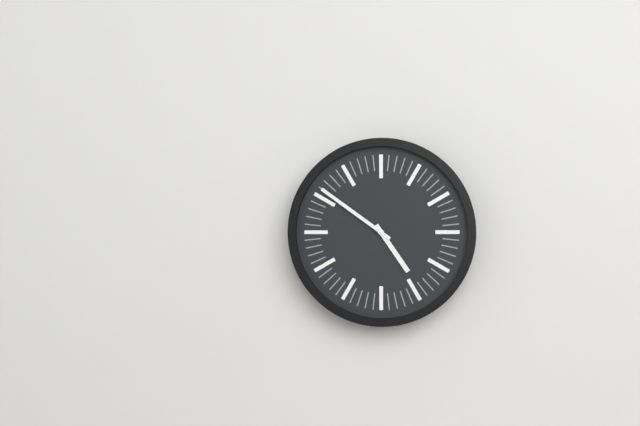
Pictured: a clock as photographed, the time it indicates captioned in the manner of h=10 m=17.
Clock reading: h=4 m=51
